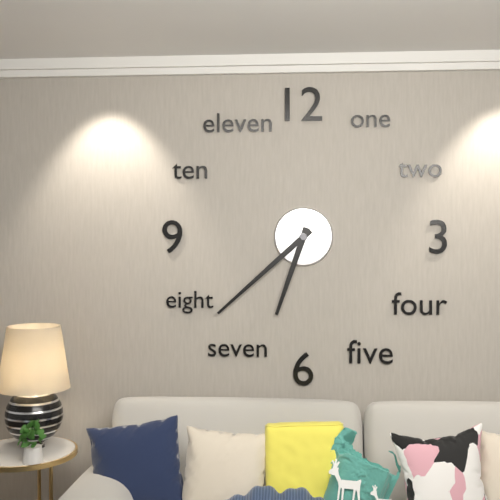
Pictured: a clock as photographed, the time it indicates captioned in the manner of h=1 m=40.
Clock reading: h=6 m=38
